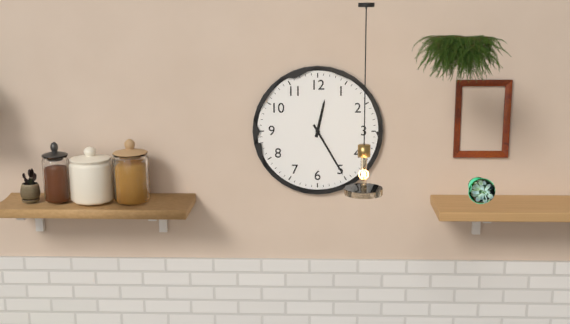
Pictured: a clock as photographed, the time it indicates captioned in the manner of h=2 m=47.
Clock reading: h=12 m=25
